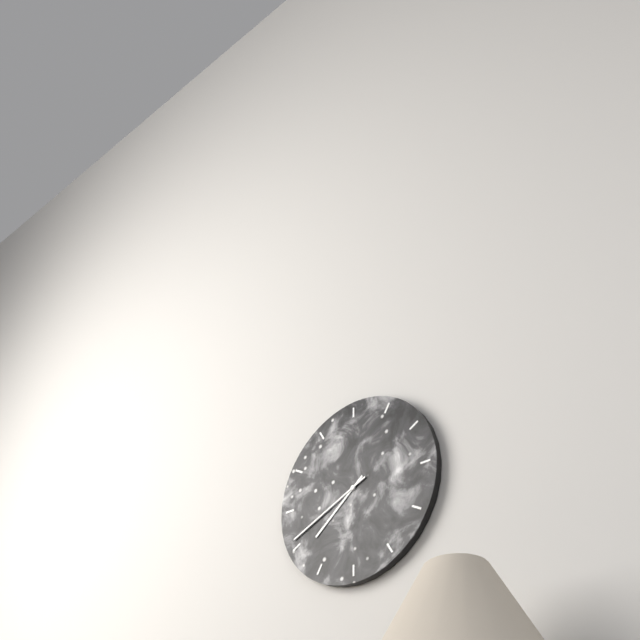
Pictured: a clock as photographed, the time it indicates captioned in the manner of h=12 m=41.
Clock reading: h=7 m=41
